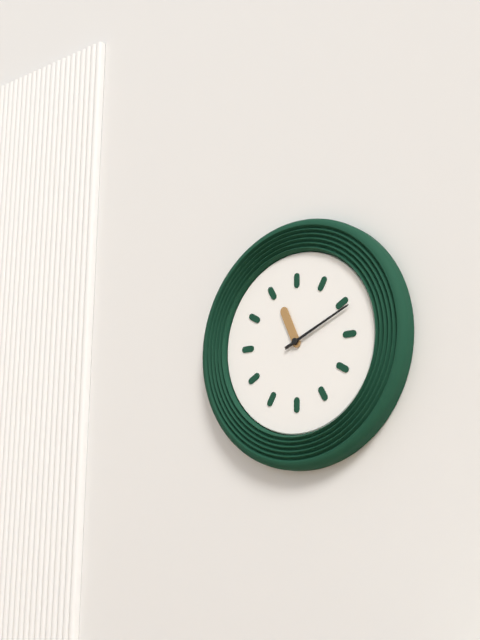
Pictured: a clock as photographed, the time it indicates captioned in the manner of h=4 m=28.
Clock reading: h=11 m=11
